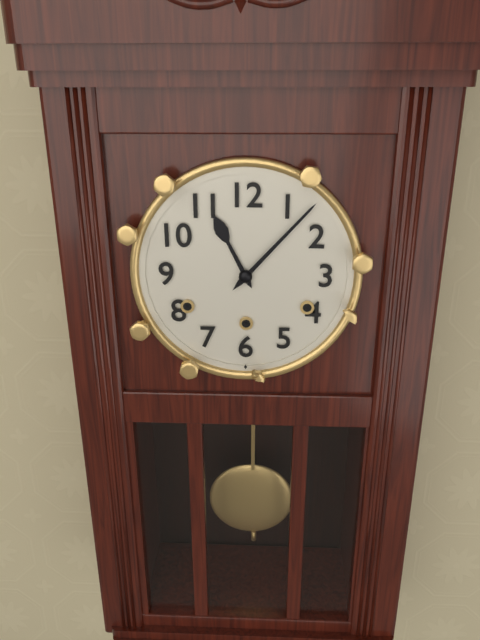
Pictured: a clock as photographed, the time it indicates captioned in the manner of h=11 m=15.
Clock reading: h=11 m=7
